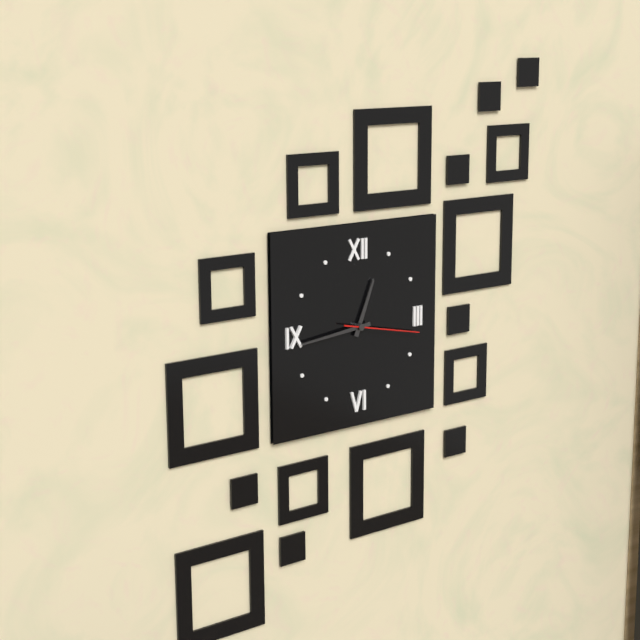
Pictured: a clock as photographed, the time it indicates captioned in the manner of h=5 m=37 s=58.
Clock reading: h=12 m=44 s=17
